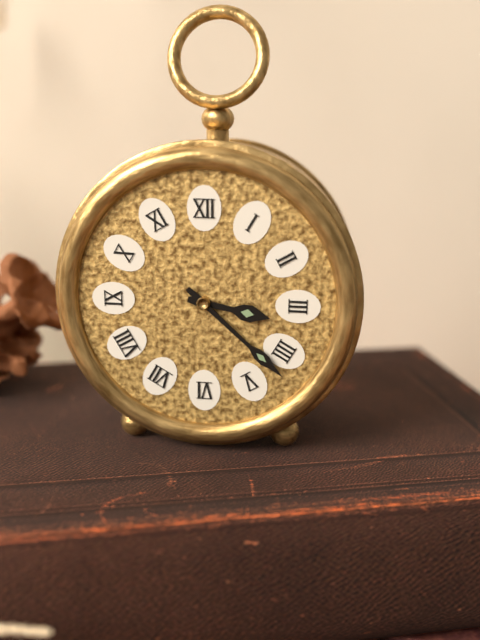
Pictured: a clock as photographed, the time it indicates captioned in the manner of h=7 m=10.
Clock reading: h=3 m=22
